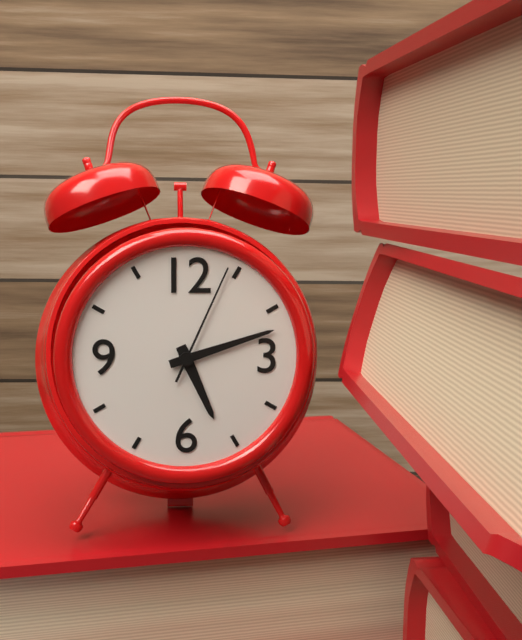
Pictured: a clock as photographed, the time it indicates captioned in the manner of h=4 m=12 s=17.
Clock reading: h=5 m=12 s=4
